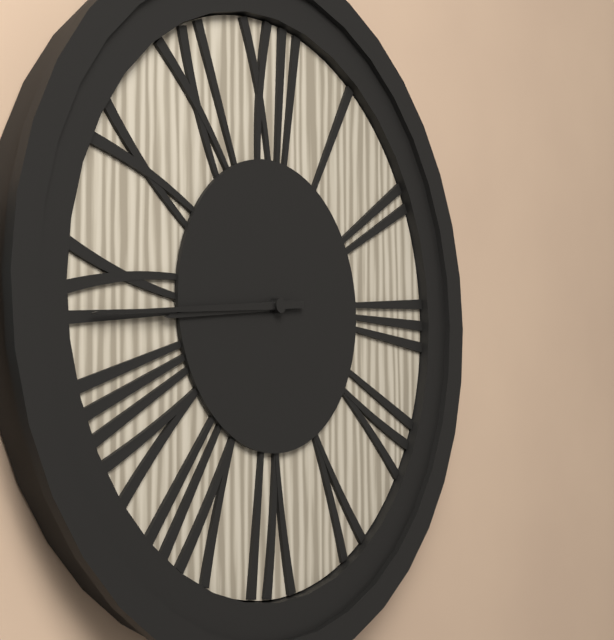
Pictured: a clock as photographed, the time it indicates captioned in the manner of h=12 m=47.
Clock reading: h=8 m=44
